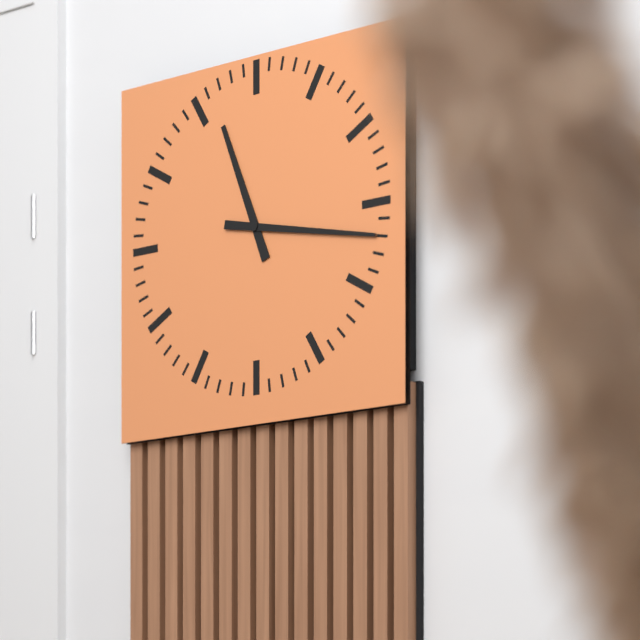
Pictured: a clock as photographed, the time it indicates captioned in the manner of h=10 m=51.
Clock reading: h=11 m=17
